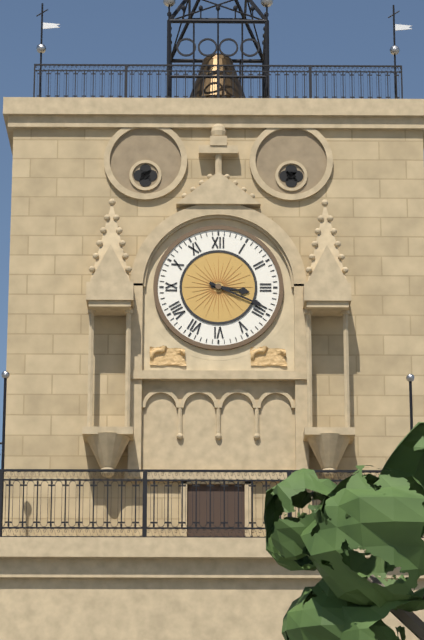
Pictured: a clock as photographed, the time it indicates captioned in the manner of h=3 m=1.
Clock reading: h=3 m=19
